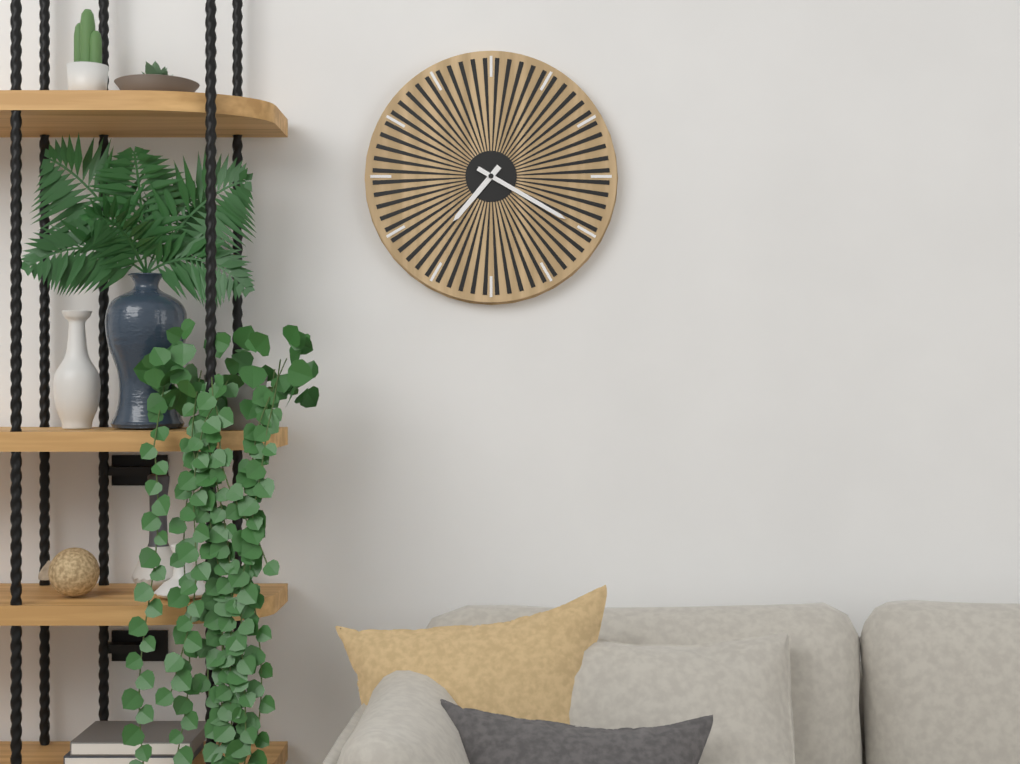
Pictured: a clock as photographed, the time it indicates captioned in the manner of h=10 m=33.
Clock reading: h=7 m=20
